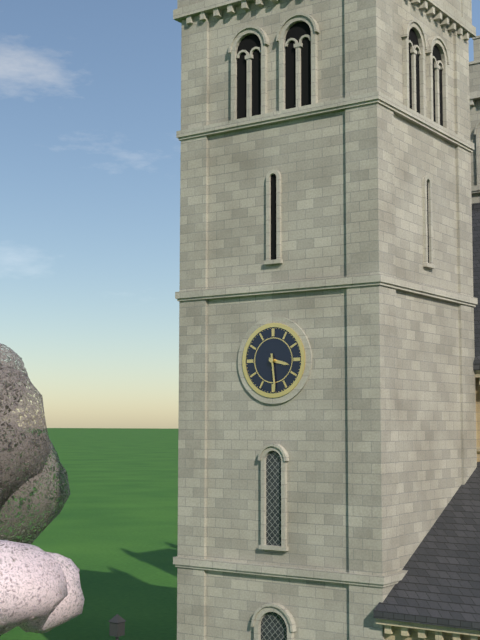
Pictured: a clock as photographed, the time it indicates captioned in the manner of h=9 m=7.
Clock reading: h=3 m=29
